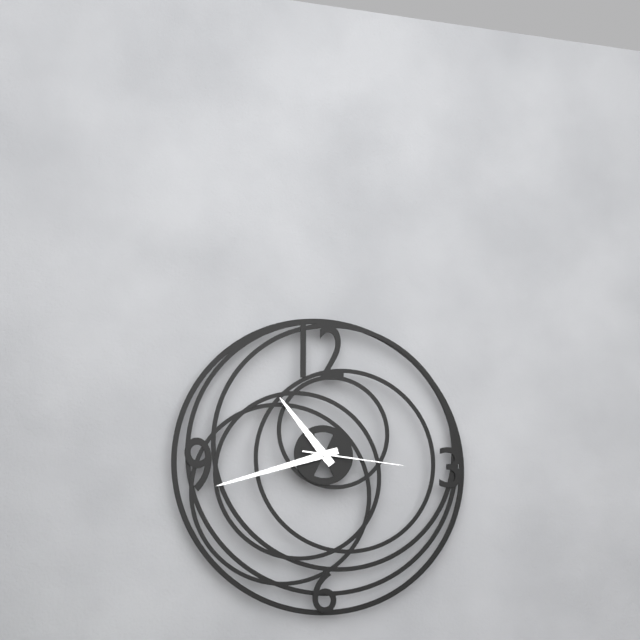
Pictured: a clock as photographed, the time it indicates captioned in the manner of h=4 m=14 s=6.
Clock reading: h=10 m=42 s=16
